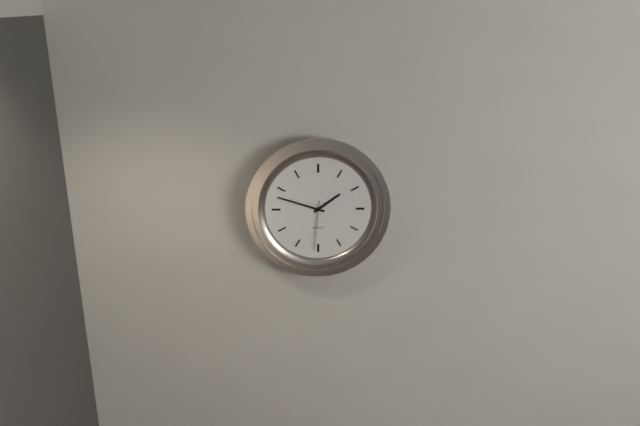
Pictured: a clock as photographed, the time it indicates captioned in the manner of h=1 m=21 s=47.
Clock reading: h=1 m=48 s=31
